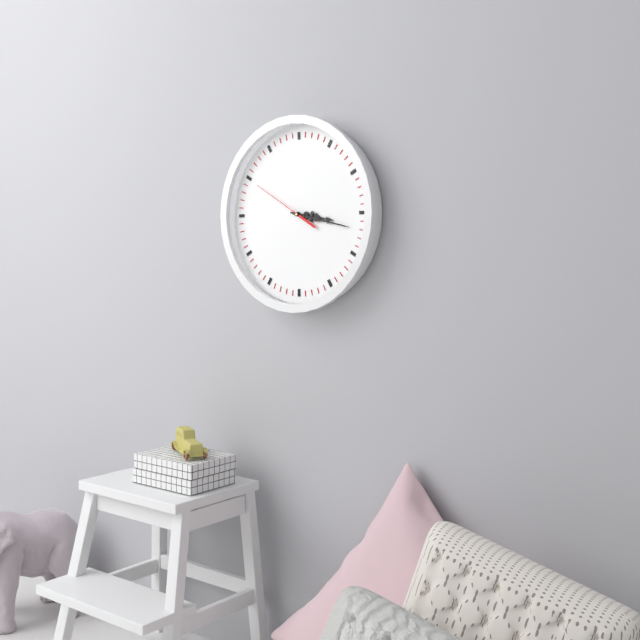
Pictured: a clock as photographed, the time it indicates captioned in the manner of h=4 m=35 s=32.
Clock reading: h=3 m=17 s=50
